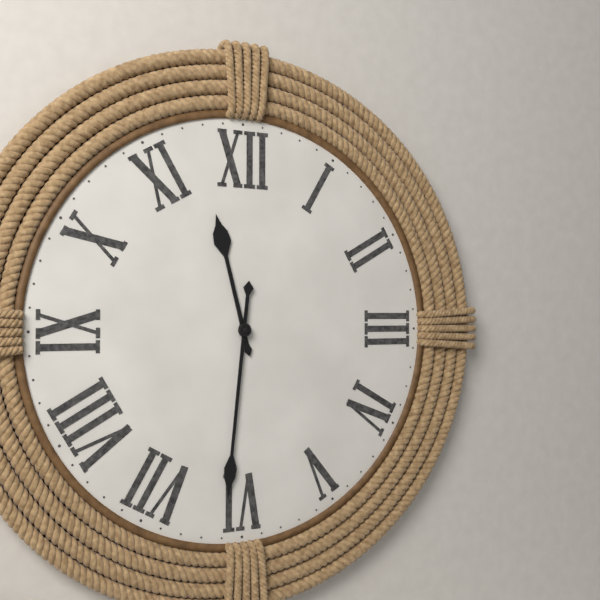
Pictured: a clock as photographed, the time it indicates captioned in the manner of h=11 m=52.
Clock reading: h=11 m=31
